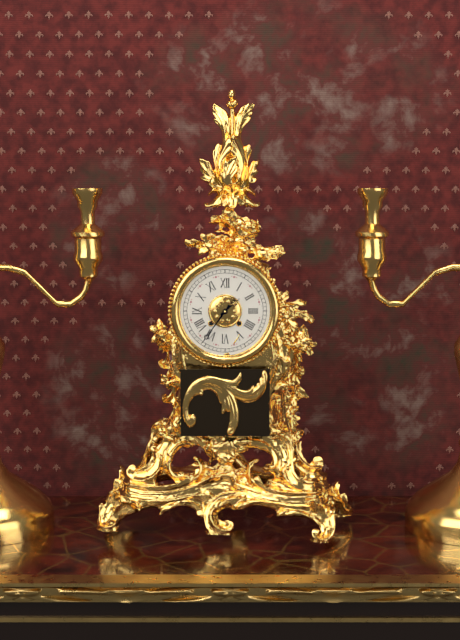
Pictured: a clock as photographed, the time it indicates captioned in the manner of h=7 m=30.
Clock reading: h=1 m=36
